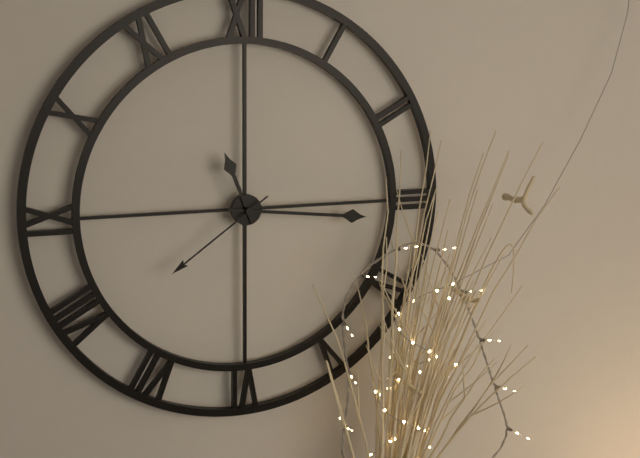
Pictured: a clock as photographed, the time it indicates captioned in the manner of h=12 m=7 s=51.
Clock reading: h=11 m=16 s=39
